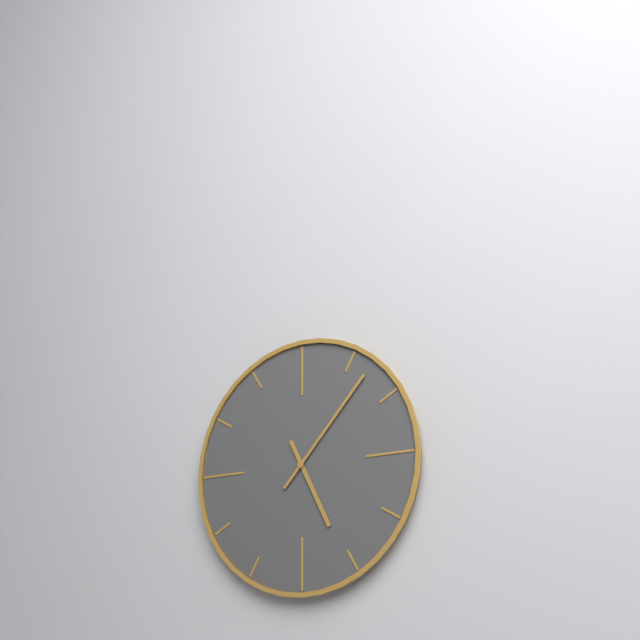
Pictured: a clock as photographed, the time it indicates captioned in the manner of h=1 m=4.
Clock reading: h=5 m=7
